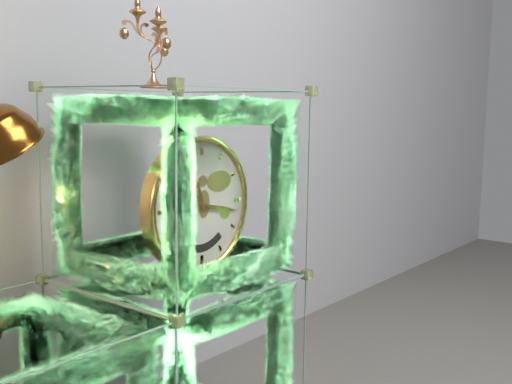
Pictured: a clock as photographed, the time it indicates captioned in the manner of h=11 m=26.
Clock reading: h=11 m=17
